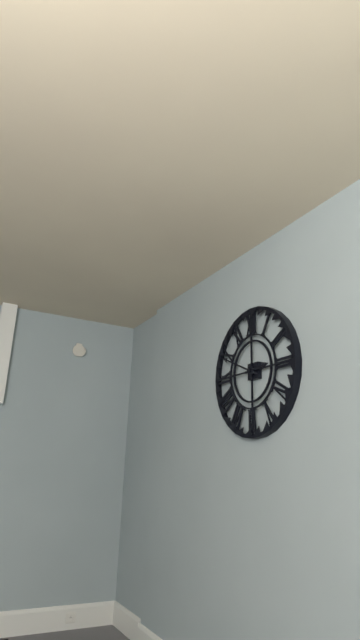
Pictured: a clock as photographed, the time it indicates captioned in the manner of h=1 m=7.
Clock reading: h=2 m=49
